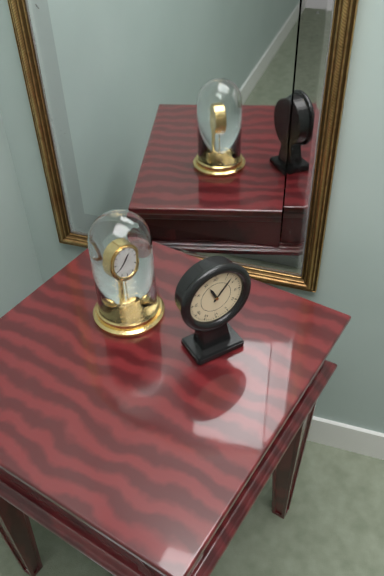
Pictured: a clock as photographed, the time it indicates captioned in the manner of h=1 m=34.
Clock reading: h=11 m=7
